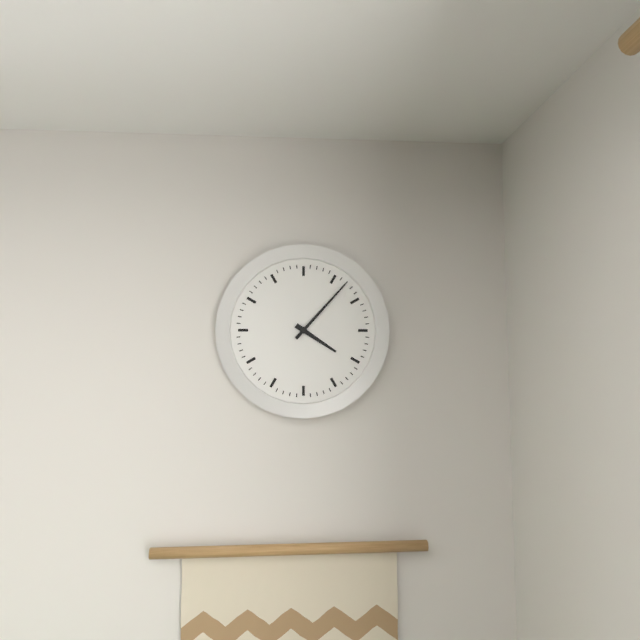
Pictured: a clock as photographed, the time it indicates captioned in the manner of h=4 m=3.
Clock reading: h=4 m=7
